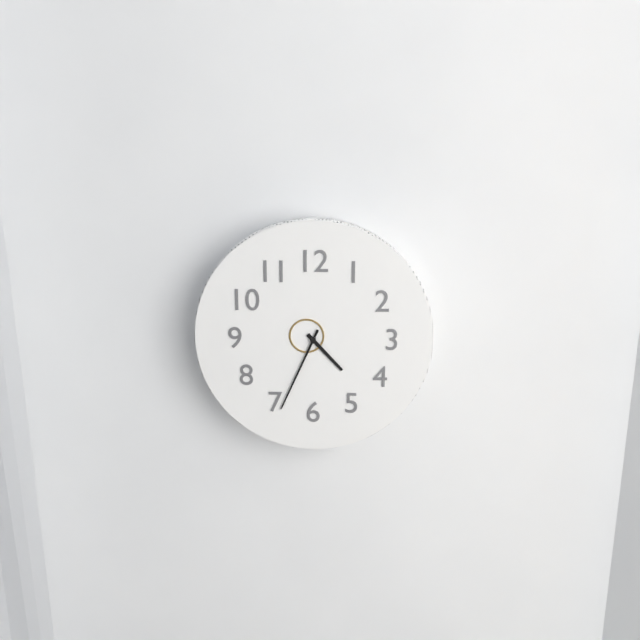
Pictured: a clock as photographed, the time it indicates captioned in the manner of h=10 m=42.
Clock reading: h=4 m=34
